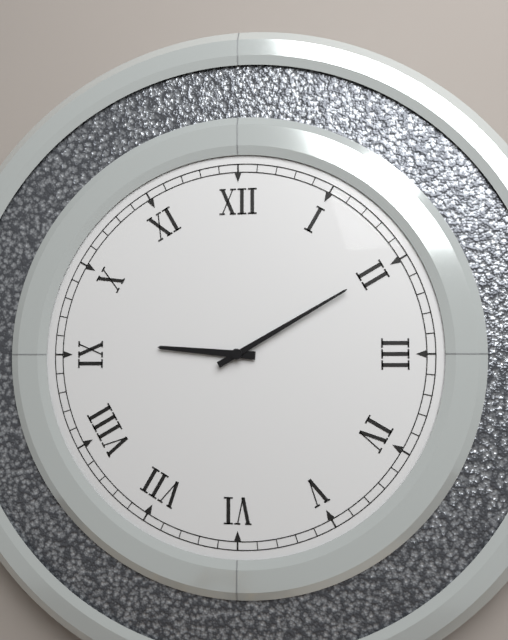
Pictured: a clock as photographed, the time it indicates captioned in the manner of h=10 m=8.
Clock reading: h=9 m=10
